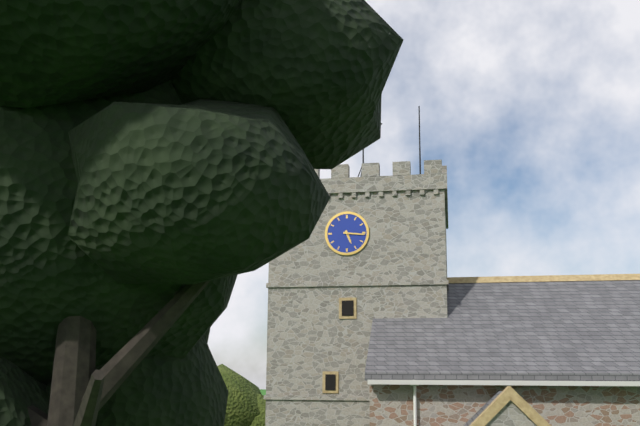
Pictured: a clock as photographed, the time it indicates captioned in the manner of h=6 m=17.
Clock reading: h=5 m=16
